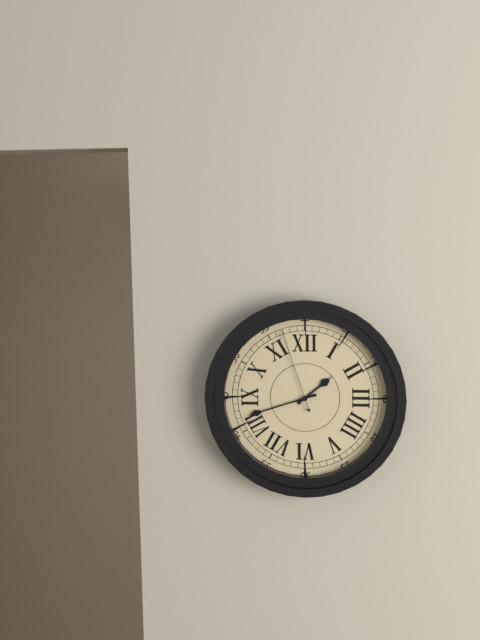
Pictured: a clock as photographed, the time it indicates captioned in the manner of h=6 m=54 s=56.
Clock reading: h=1 m=42 s=57
